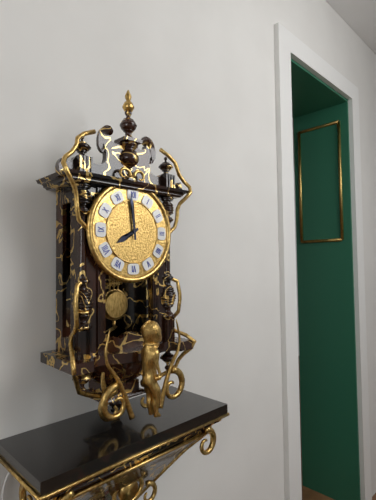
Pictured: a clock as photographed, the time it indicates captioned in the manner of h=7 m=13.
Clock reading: h=7 m=59
